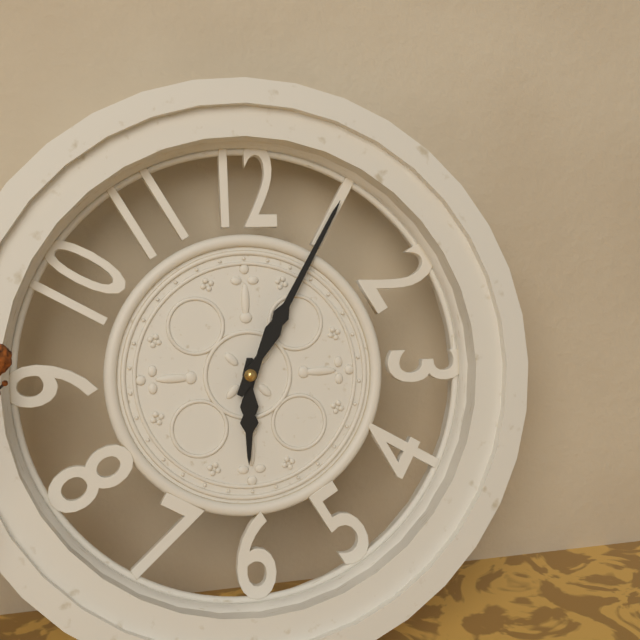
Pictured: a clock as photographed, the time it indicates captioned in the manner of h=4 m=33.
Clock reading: h=6 m=5
